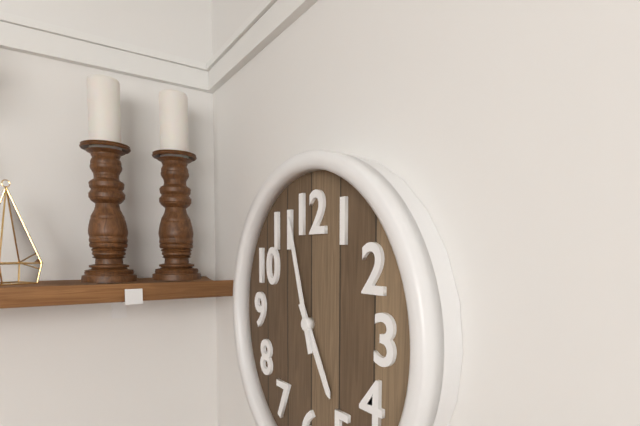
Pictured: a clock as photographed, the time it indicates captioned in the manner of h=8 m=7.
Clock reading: h=4 m=57
